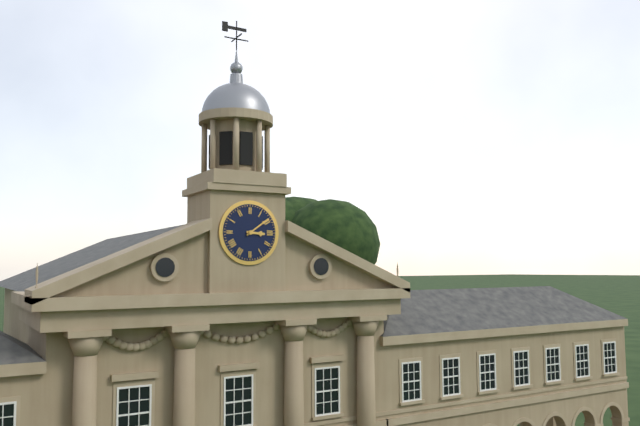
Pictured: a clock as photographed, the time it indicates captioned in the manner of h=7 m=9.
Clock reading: h=3 m=9
